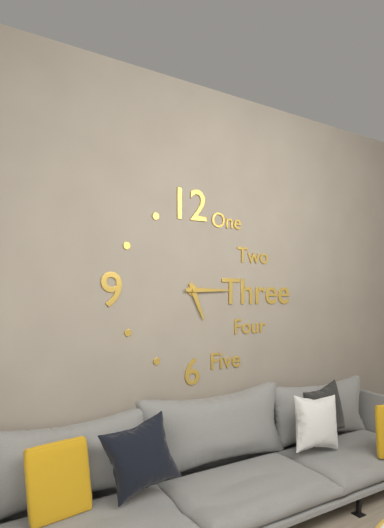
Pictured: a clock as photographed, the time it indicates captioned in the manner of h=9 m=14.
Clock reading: h=5 m=15
